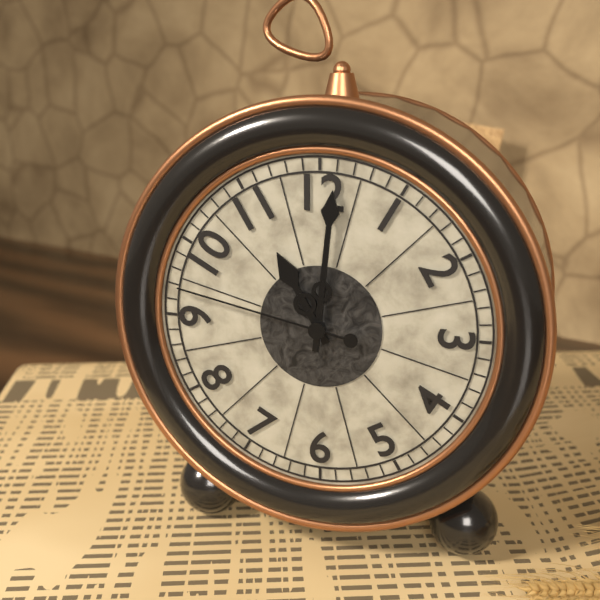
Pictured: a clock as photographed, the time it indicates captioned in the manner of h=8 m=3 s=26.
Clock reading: h=11 m=1 s=47
